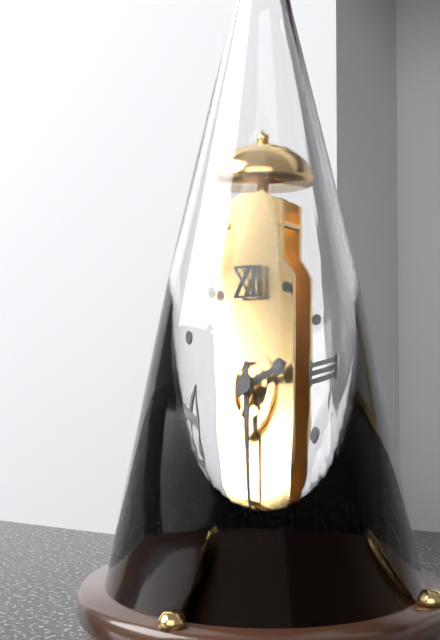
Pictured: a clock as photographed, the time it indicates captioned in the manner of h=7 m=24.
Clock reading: h=2 m=30
